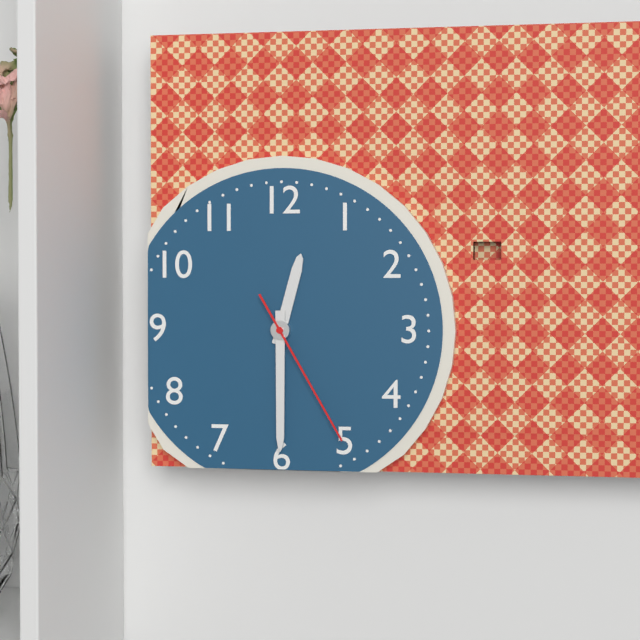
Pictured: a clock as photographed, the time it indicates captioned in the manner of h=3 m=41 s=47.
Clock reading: h=12 m=30 s=25
